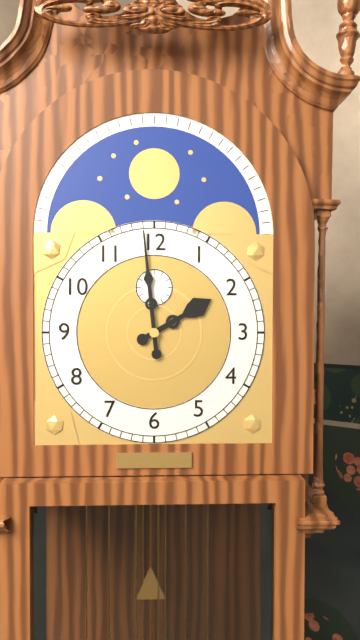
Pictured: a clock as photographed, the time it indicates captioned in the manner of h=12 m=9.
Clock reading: h=1 m=59
